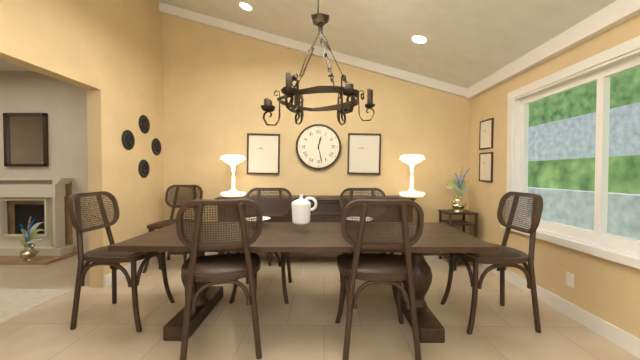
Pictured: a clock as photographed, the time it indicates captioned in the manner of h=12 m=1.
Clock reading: h=12 m=28
